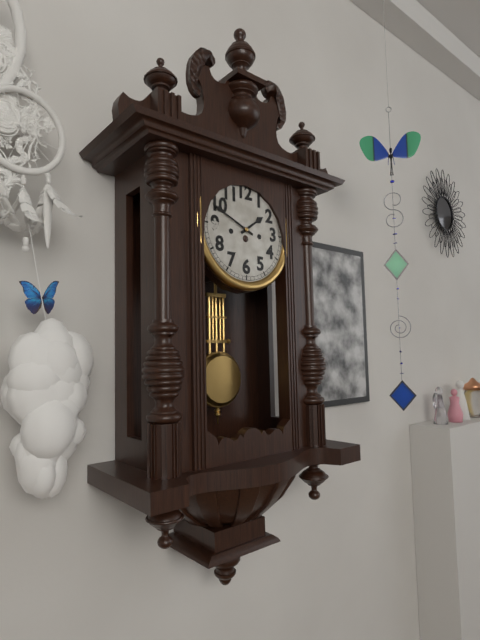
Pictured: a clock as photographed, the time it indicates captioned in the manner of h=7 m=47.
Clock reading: h=1 m=49
